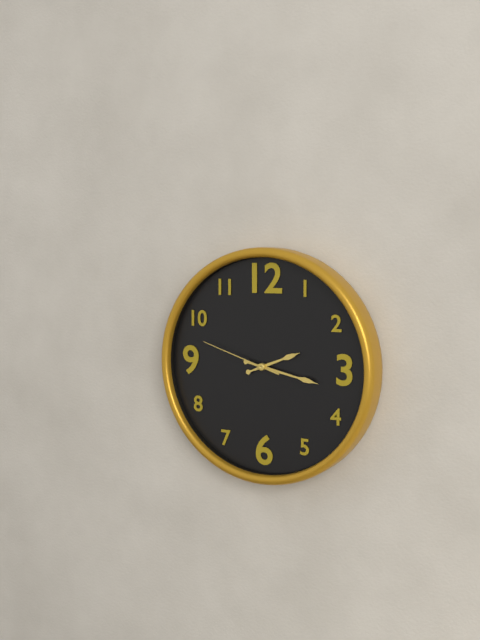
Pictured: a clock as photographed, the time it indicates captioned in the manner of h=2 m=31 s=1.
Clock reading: h=2 m=17 s=48
